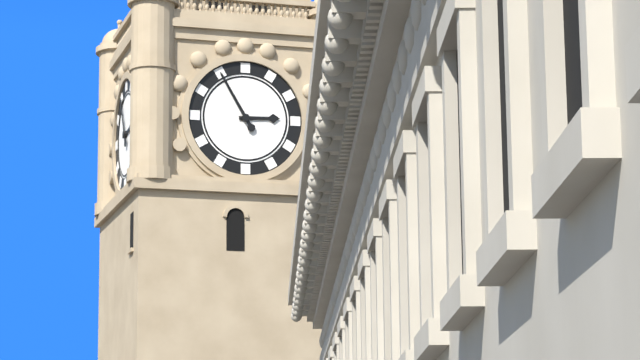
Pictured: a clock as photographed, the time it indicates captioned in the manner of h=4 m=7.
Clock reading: h=2 m=55
